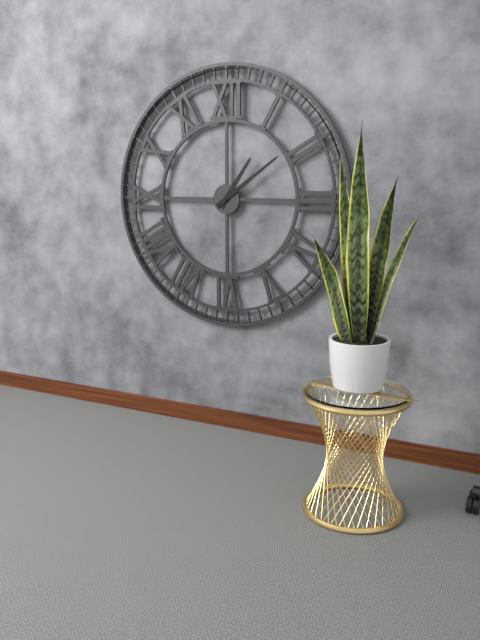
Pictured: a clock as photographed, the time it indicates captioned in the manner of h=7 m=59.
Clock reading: h=1 m=9
